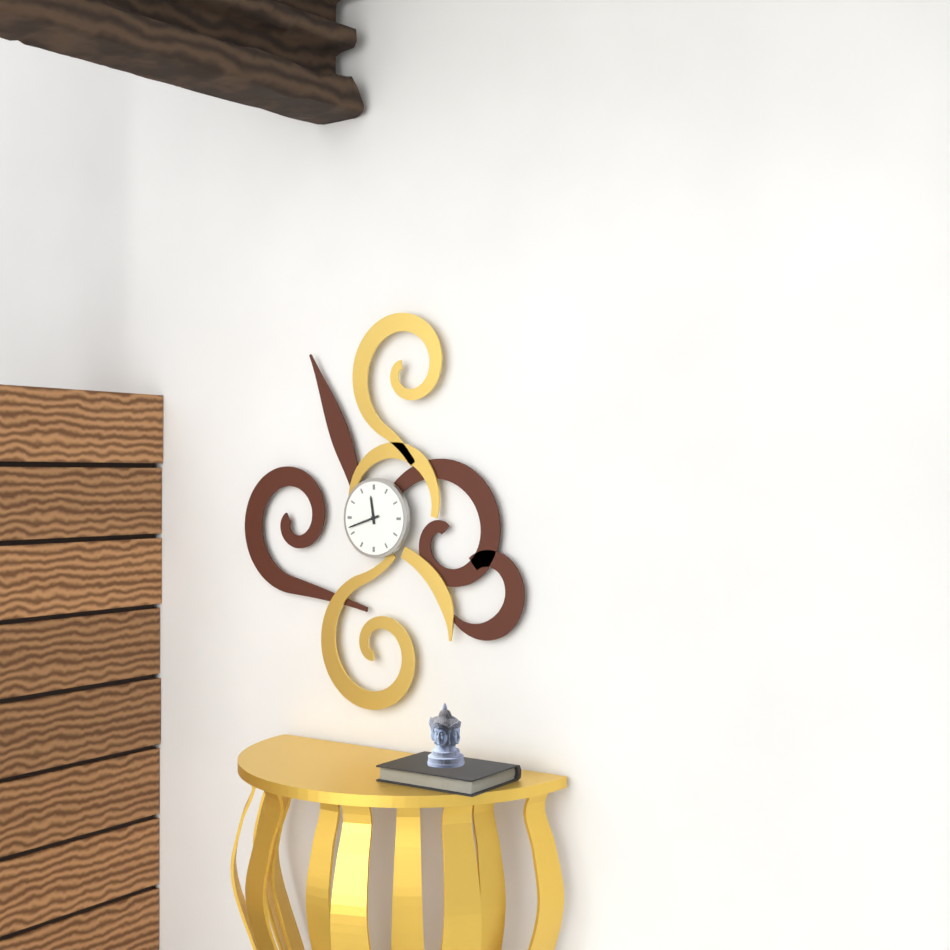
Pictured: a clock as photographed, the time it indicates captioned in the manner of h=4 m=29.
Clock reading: h=11 m=42
